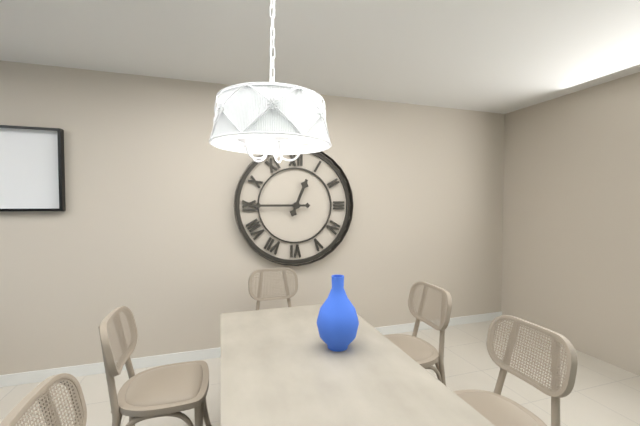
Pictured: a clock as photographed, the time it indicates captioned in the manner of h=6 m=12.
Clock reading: h=12 m=45
